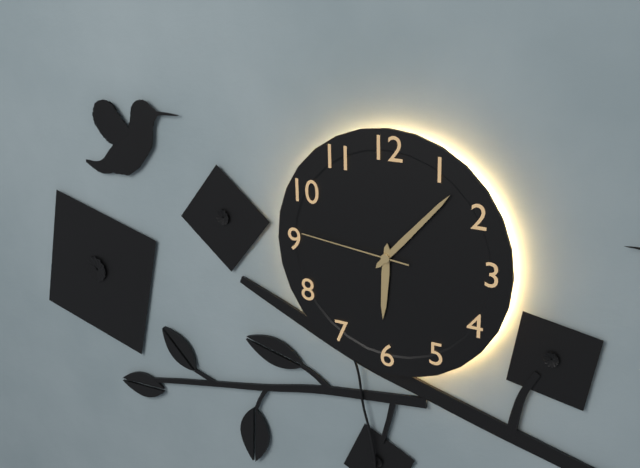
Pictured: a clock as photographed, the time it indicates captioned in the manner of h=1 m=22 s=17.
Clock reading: h=6 m=7 s=46
